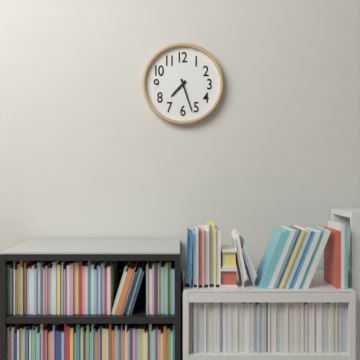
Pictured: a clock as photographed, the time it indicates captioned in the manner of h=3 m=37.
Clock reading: h=7 m=27
